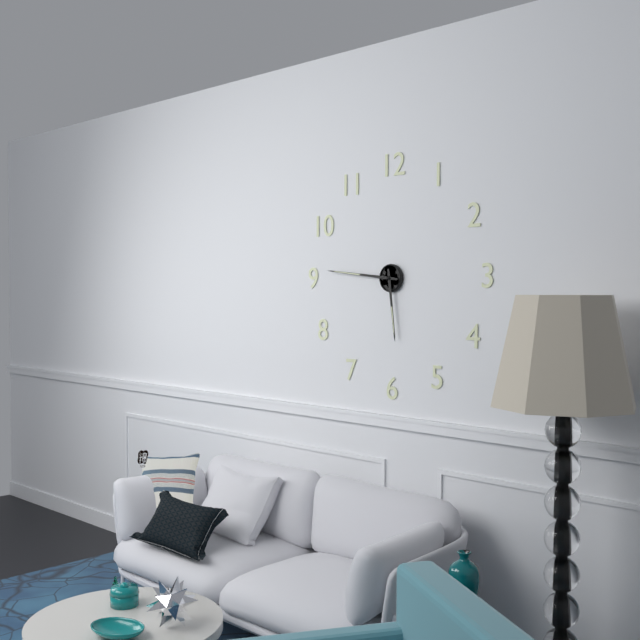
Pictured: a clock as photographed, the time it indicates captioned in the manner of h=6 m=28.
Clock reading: h=5 m=46
